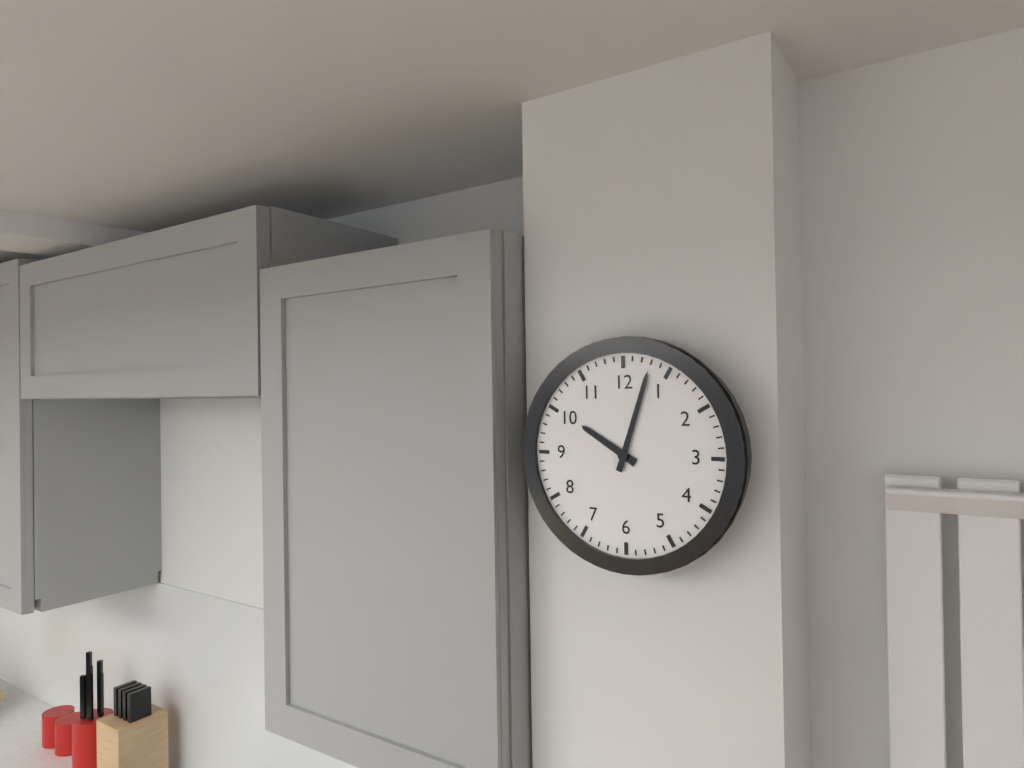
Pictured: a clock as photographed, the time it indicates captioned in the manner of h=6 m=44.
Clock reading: h=10 m=3
